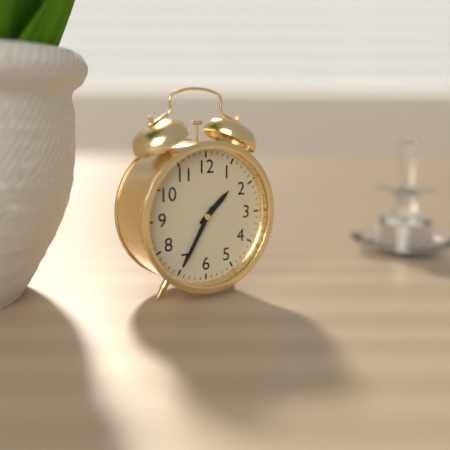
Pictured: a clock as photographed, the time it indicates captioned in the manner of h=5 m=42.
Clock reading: h=1 m=35
